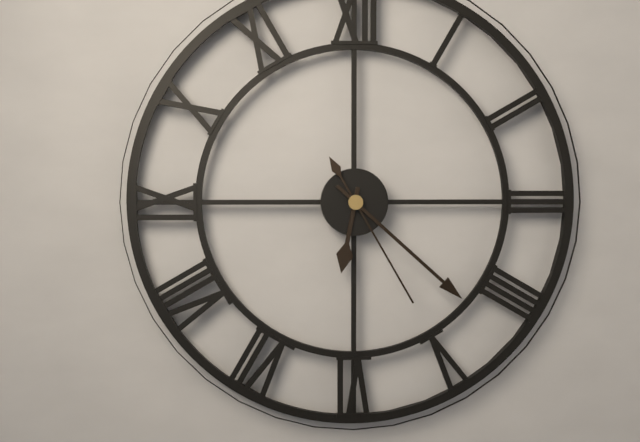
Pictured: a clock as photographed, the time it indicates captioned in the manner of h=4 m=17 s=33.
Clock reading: h=6 m=22 s=25
